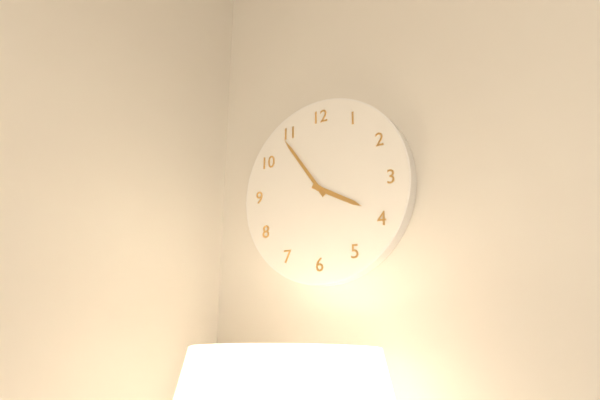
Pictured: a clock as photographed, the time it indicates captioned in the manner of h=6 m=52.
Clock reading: h=3 m=54
